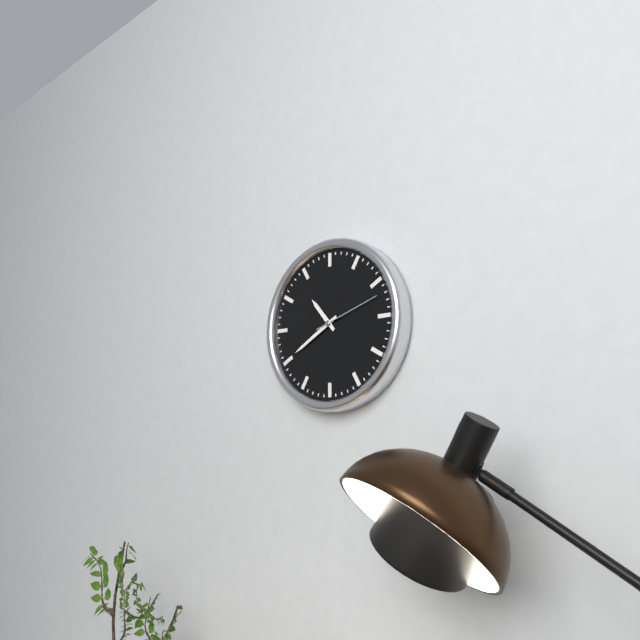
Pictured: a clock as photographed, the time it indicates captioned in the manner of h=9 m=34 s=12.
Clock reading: h=10 m=40 s=12
